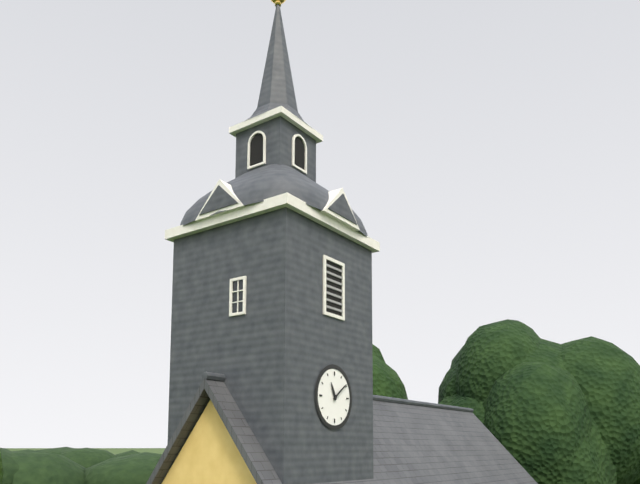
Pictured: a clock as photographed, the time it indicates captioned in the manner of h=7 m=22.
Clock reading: h=11 m=9
